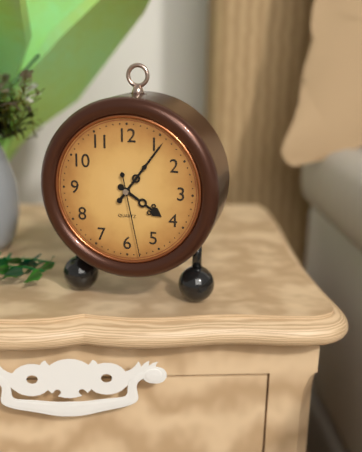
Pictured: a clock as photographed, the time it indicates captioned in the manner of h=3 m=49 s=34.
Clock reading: h=4 m=6 s=28
